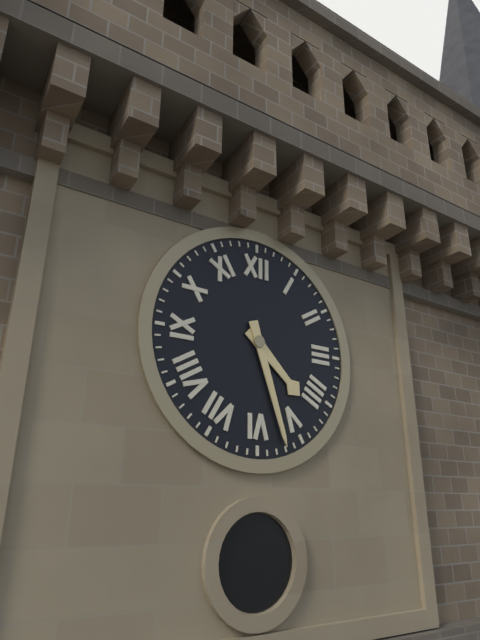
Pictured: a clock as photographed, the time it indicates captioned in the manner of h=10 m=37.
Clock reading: h=4 m=27
